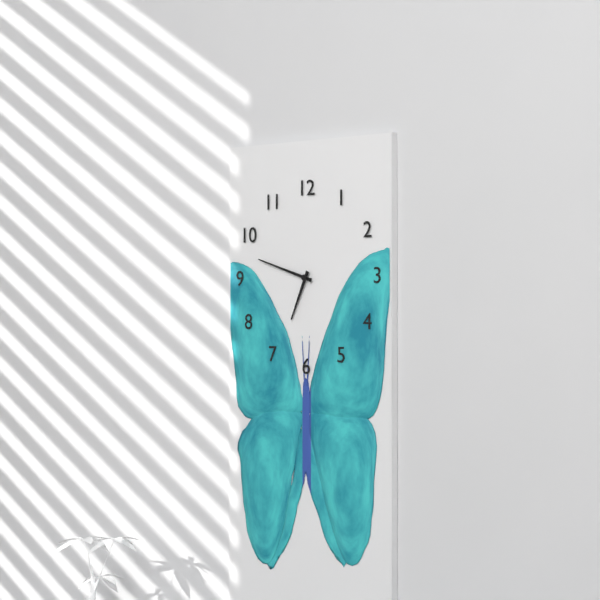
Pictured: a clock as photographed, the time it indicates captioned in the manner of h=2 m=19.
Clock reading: h=6 m=48
